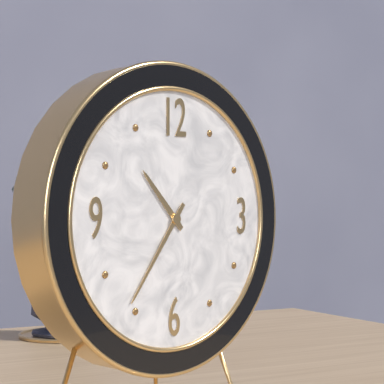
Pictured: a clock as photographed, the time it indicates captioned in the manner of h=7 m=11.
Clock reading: h=10 m=36
